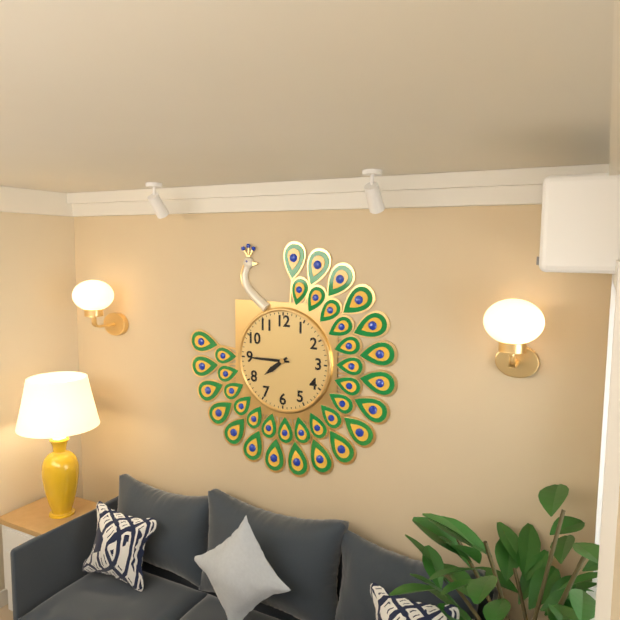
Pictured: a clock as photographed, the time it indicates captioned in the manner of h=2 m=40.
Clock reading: h=7 m=45
